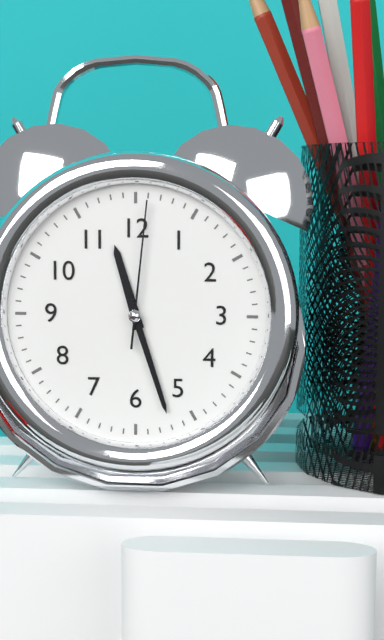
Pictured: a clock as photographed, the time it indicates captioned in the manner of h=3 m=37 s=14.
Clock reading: h=11 m=27 s=1
